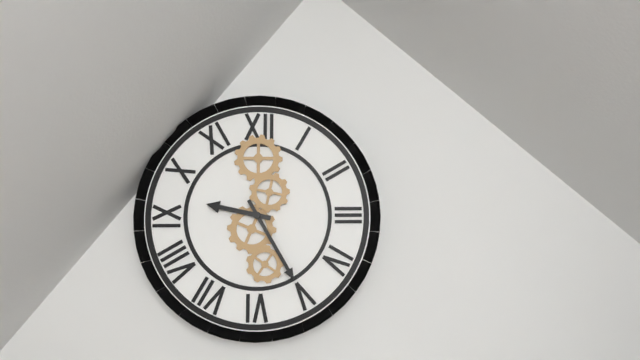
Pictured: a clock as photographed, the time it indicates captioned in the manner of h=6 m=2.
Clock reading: h=9 m=25
